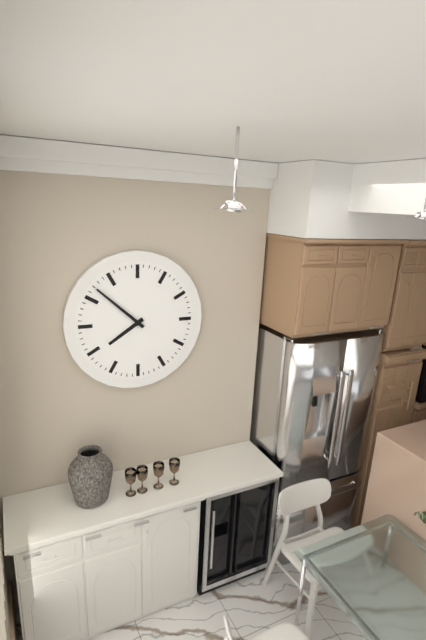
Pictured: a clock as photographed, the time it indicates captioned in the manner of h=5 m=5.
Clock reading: h=7 m=52
